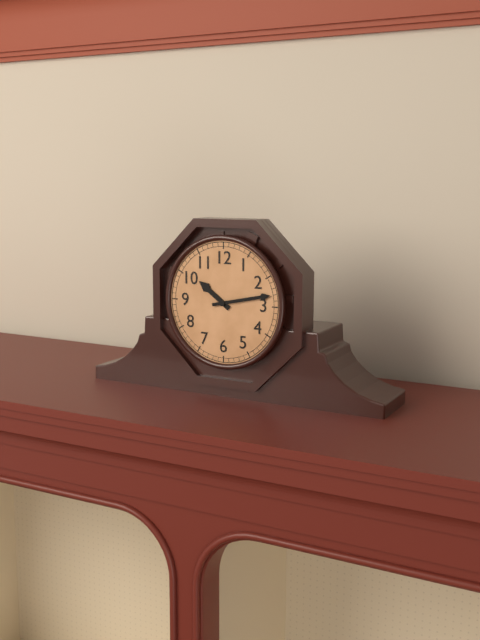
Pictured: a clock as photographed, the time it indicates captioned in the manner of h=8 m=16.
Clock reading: h=10 m=13
